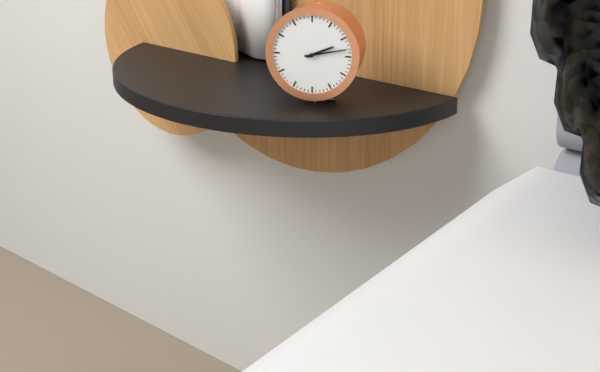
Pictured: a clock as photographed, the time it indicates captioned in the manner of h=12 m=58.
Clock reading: h=2 m=13
